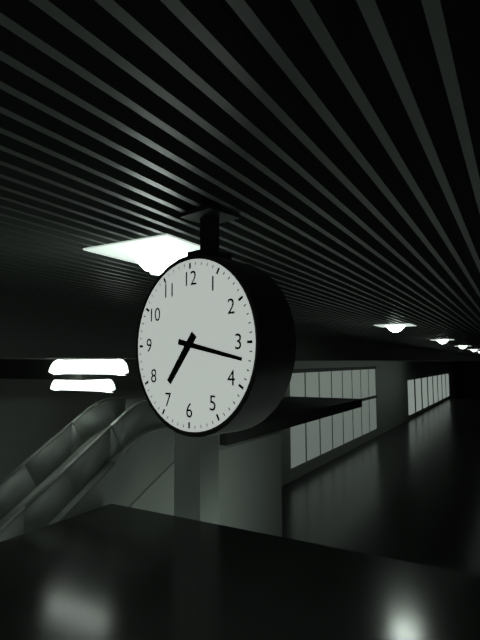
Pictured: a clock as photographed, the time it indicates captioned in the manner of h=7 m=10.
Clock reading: h=7 m=17
